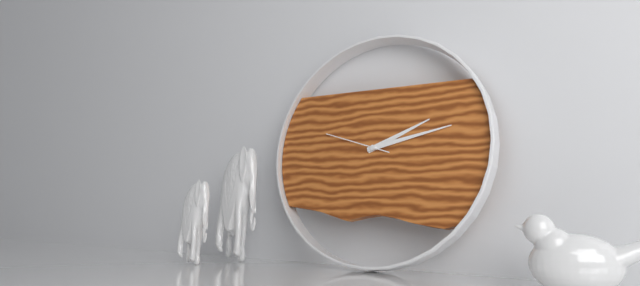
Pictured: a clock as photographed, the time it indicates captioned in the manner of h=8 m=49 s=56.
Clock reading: h=2 m=13 s=48
